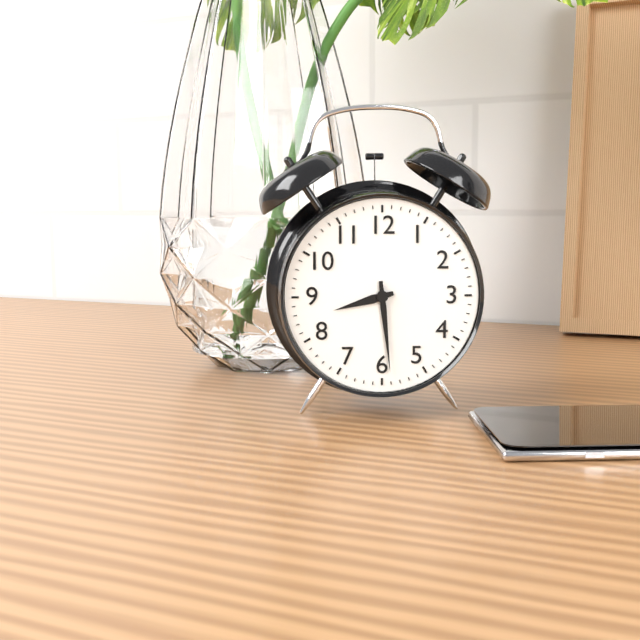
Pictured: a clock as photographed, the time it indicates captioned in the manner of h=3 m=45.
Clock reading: h=8 m=29
